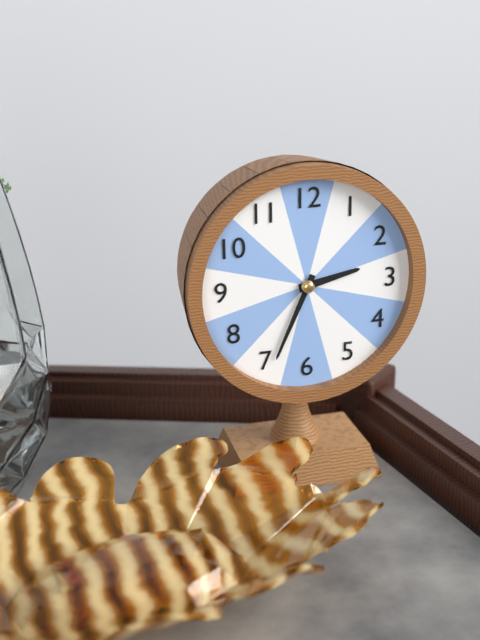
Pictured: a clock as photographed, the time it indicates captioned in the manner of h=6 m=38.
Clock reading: h=2 m=34
